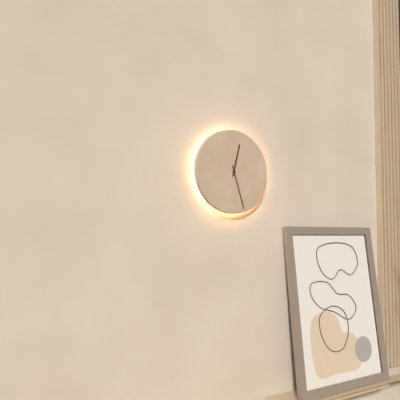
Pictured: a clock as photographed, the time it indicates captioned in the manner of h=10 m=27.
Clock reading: h=12 m=27
